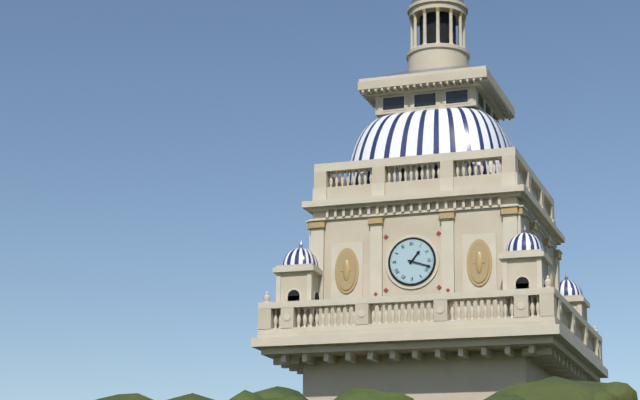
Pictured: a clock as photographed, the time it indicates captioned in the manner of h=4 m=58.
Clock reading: h=1 m=18
